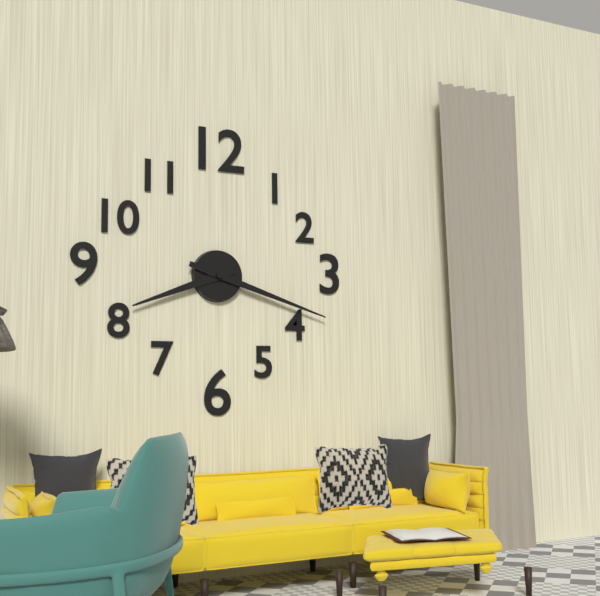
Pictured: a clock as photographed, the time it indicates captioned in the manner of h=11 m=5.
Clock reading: h=8 m=18
